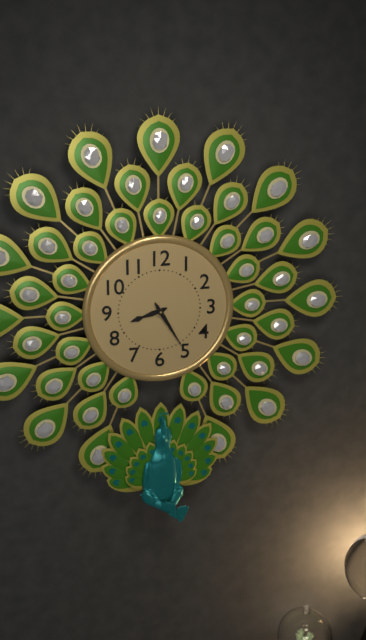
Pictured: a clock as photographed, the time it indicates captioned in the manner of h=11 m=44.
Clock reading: h=8 m=25
